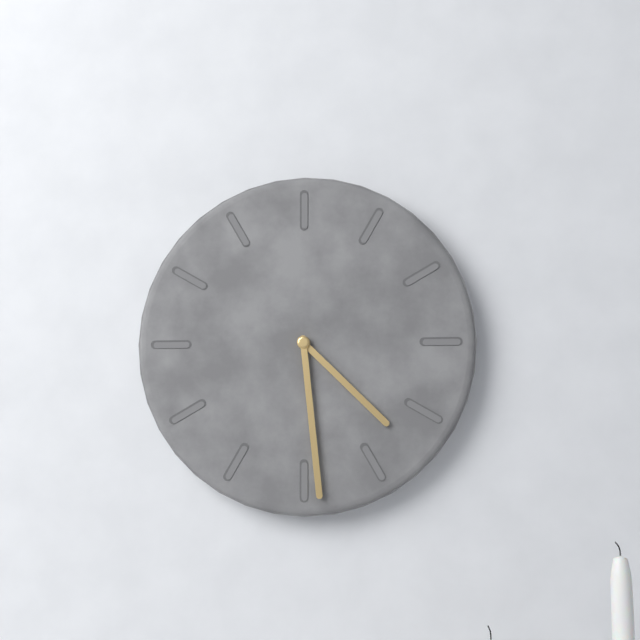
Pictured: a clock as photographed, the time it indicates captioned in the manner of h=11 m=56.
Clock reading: h=4 m=29
